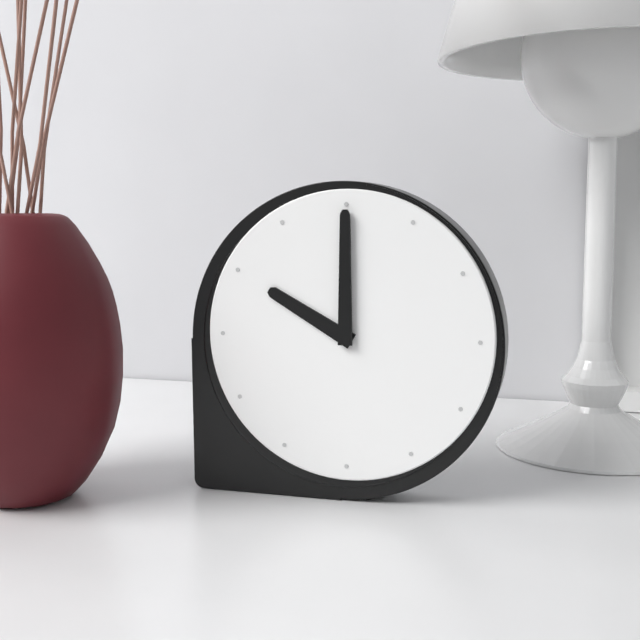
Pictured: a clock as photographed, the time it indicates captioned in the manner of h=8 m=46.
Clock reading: h=10 m=0
